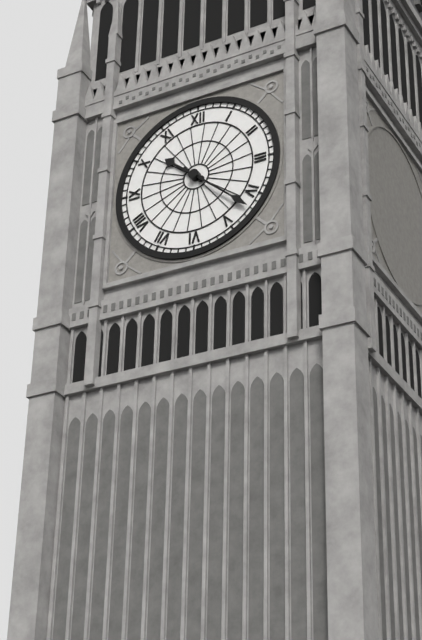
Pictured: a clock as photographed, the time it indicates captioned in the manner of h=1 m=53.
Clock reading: h=10 m=22
